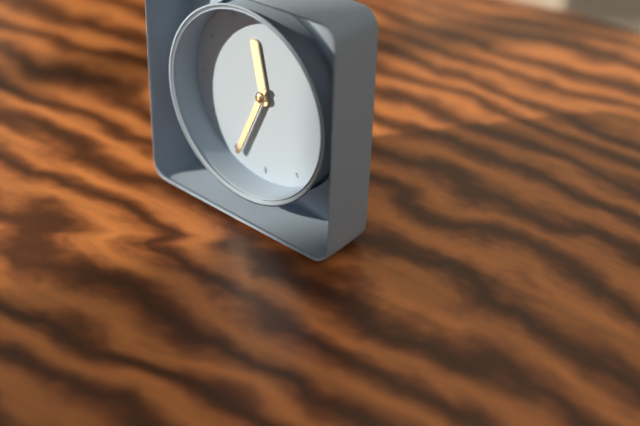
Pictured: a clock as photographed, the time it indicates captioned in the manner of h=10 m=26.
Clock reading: h=11 m=34
